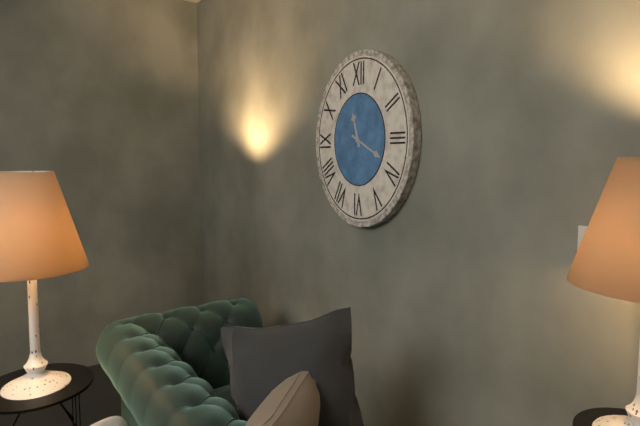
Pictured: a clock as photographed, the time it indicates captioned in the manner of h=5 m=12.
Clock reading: h=11 m=19
